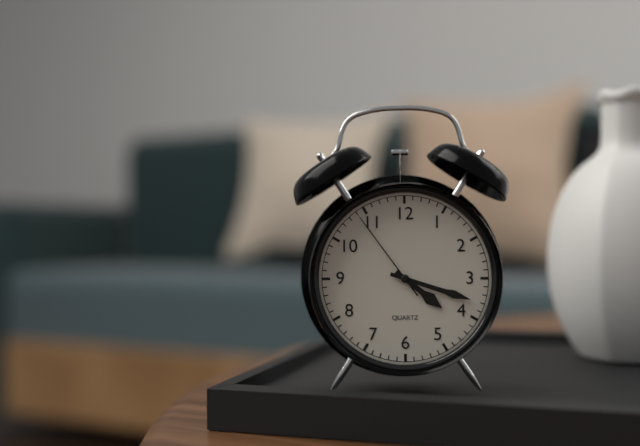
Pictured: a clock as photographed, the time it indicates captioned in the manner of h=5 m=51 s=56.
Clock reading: h=4 m=18 s=54
